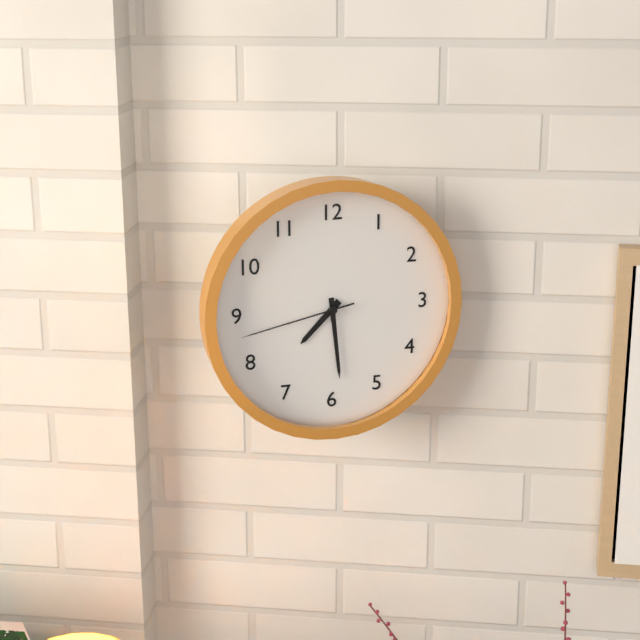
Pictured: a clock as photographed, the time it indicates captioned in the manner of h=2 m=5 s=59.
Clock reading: h=7 m=29 s=43
